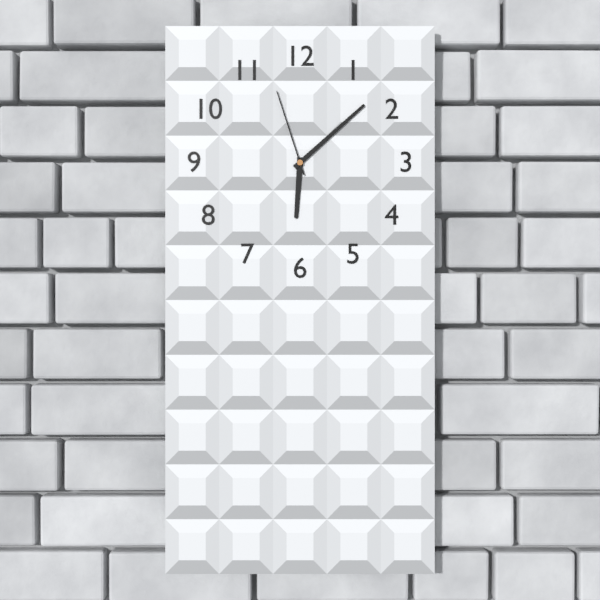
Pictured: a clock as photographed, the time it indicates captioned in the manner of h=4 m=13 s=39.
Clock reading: h=6 m=8 s=57
